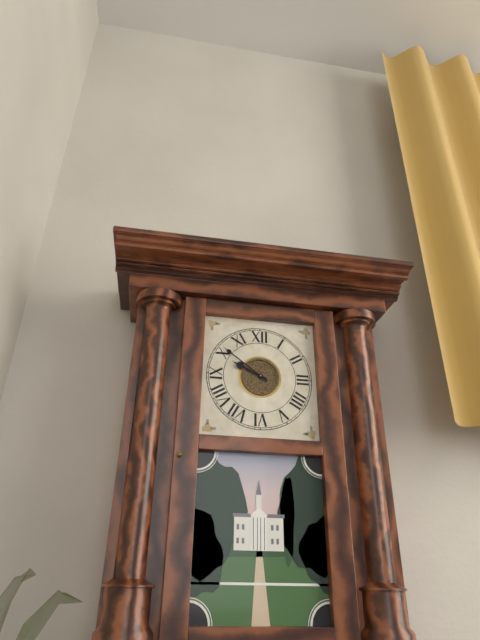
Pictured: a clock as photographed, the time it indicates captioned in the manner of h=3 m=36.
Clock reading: h=9 m=51
